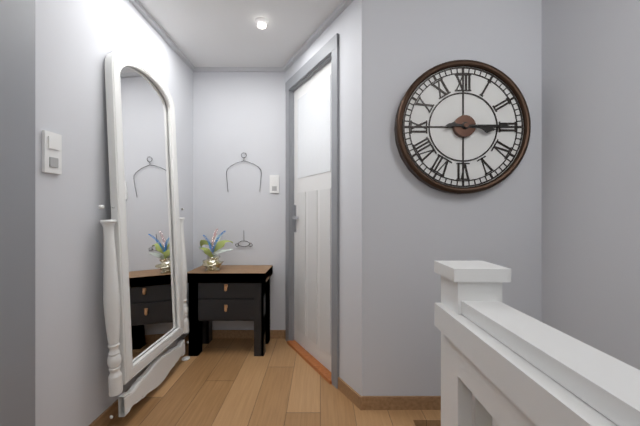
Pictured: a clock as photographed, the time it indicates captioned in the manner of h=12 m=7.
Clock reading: h=3 m=15
